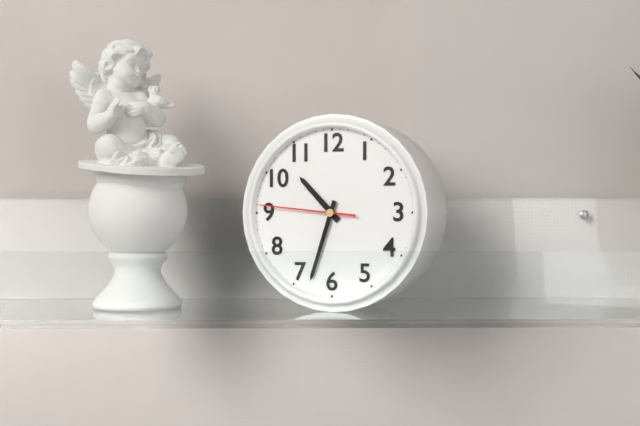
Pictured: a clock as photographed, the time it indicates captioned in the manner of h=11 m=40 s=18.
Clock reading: h=10 m=33 s=46
